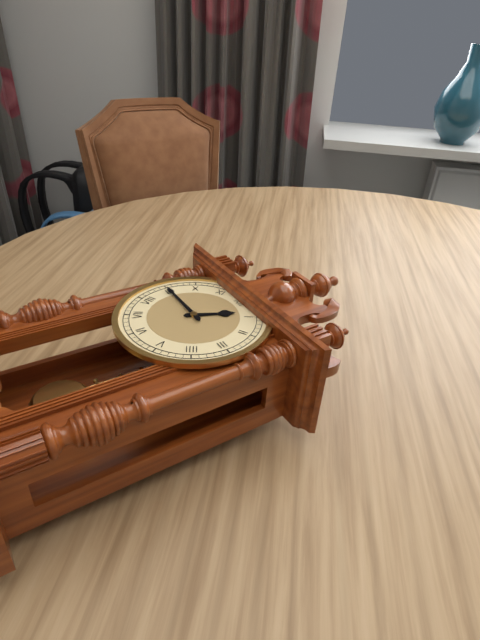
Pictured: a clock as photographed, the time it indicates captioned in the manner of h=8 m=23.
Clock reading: h=12 m=45
